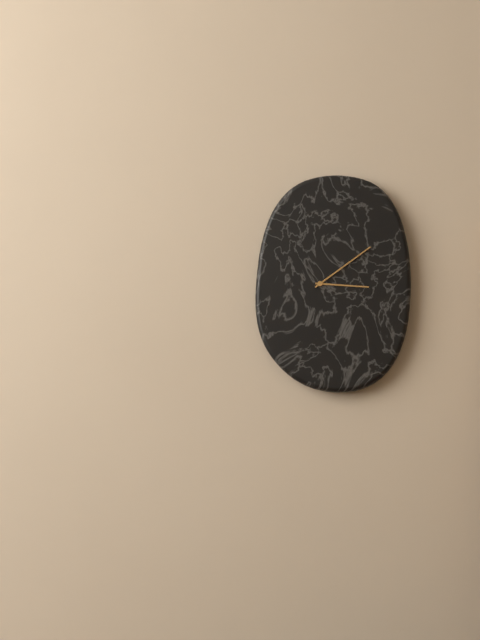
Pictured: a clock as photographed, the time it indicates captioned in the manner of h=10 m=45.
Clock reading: h=3 m=9
